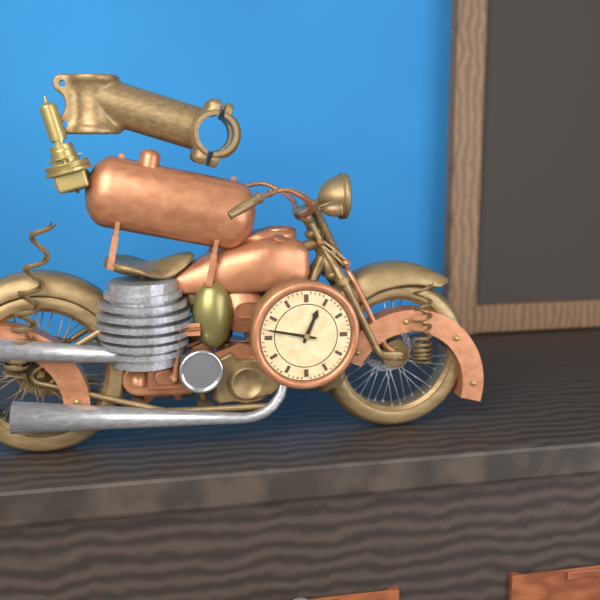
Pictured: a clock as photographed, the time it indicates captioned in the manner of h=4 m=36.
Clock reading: h=12 m=47
